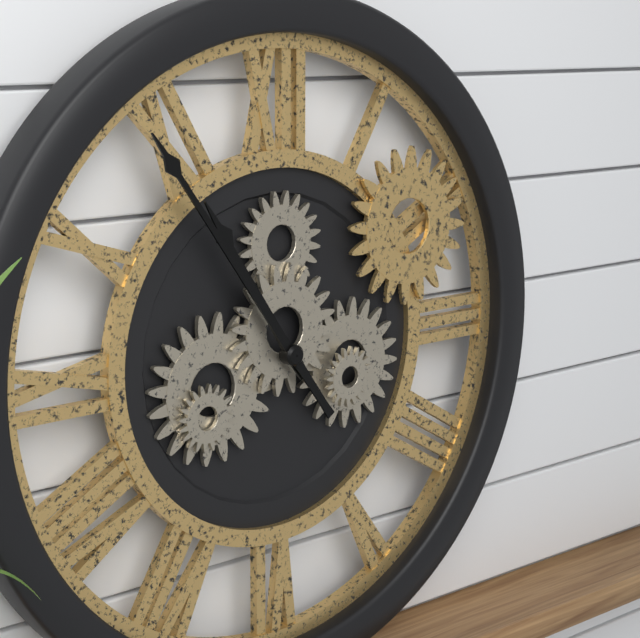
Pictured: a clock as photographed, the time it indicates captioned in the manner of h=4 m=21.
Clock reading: h=10 m=54
